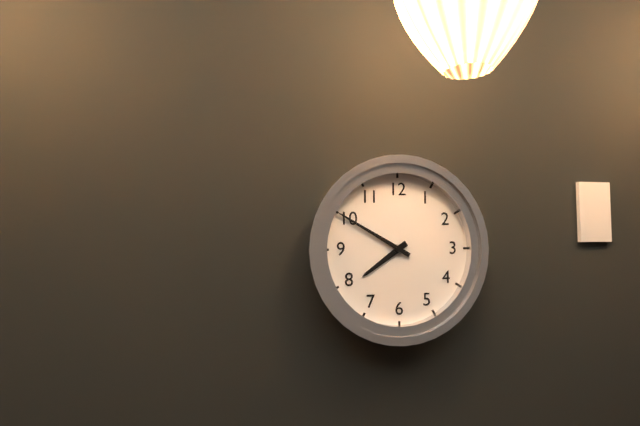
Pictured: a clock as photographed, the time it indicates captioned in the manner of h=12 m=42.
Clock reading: h=7 m=50
